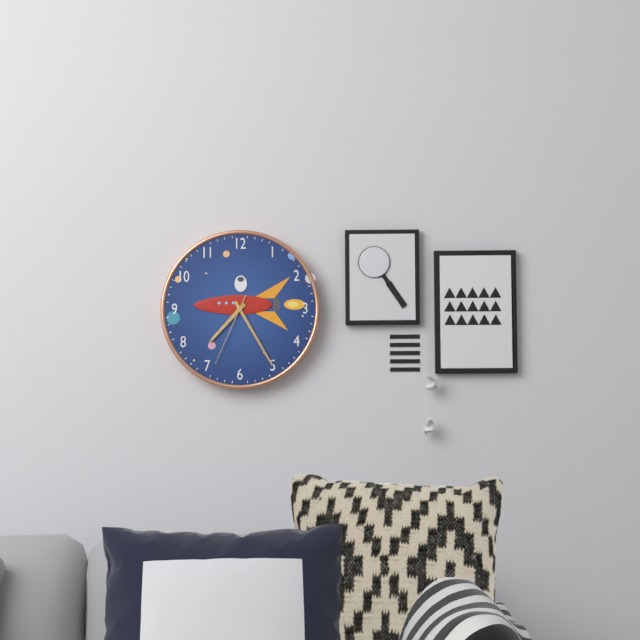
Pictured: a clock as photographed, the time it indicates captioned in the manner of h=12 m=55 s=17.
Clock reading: h=7 m=25 s=34
